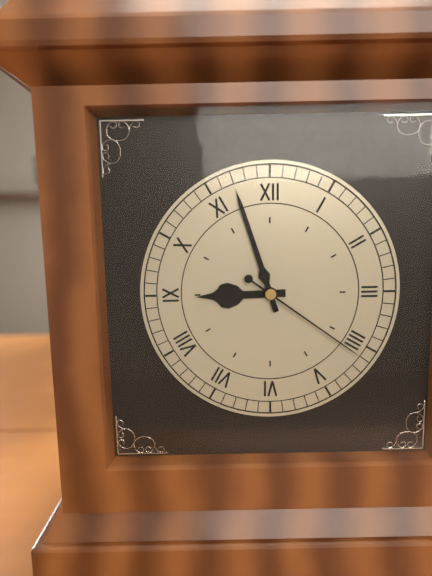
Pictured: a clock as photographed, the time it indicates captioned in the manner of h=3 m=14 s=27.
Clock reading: h=8 m=57 s=21
